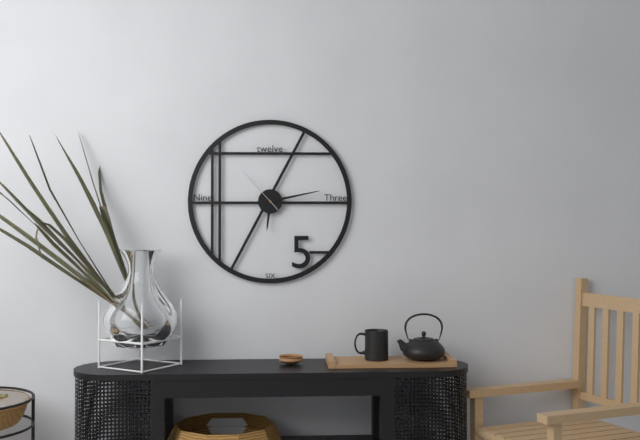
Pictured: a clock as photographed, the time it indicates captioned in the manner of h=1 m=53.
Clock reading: h=6 m=13
